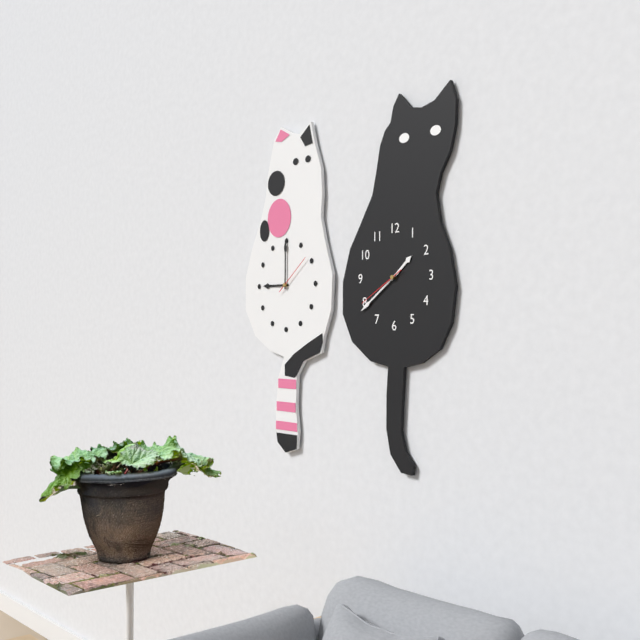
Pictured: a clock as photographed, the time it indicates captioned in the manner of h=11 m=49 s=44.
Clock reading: h=1 m=39 s=40
